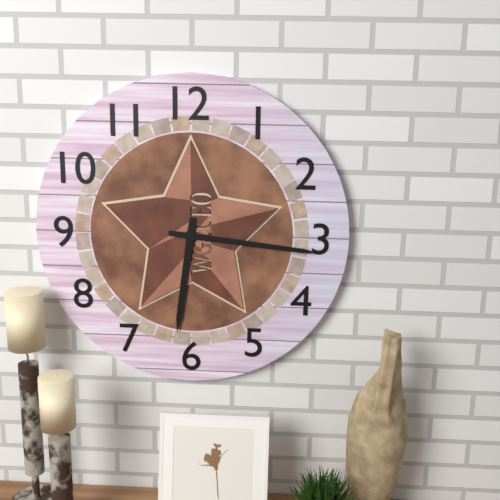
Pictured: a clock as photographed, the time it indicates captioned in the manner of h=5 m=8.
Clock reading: h=6 m=16
